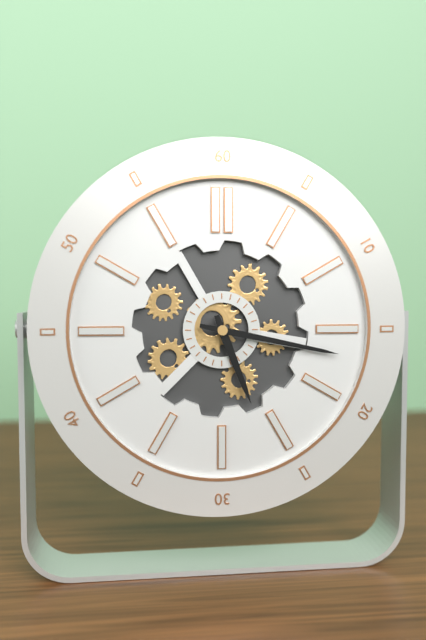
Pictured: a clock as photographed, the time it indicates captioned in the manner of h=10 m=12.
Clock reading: h=5 m=17
